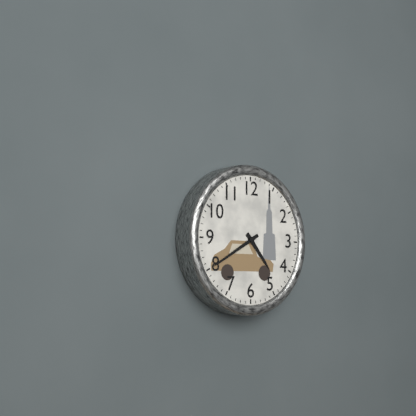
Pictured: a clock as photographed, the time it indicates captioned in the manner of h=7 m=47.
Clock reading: h=4 m=40
